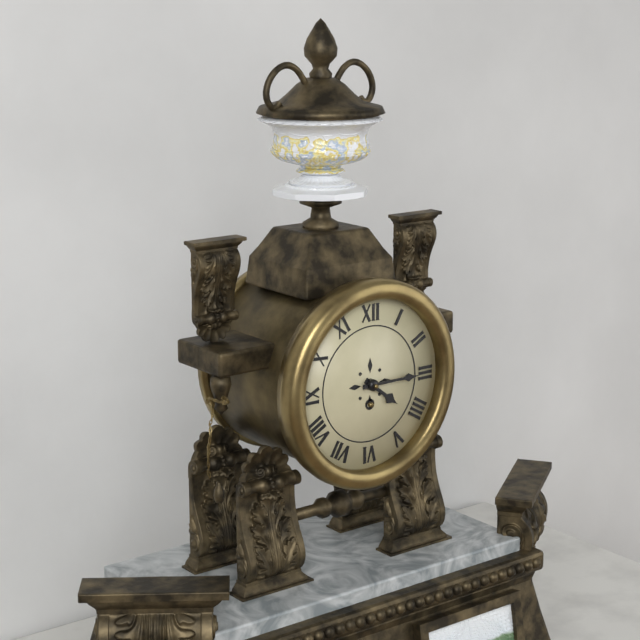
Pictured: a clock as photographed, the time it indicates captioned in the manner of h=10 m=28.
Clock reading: h=4 m=15
